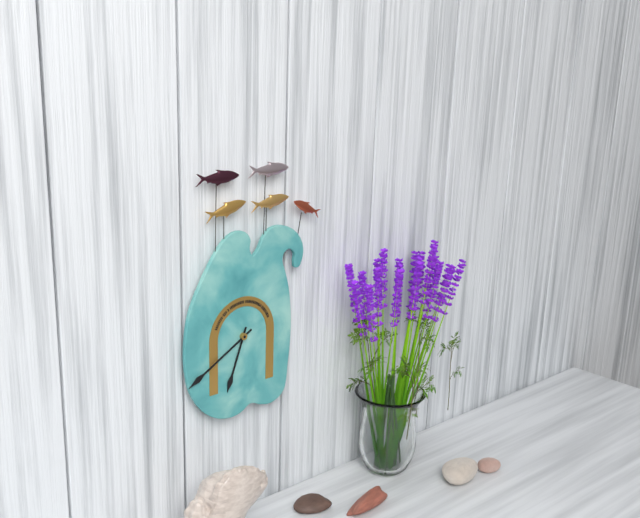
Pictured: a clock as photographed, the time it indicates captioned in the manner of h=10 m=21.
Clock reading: h=6 m=40
